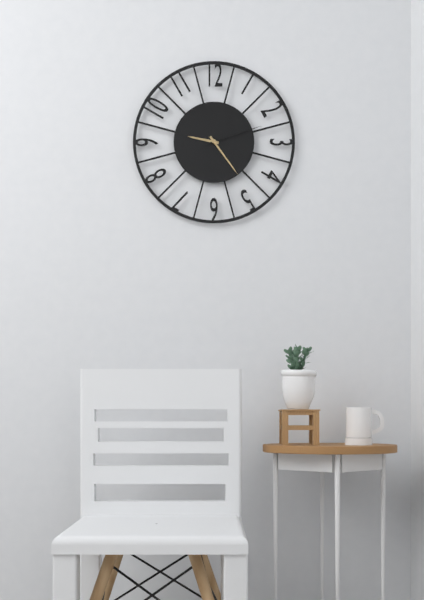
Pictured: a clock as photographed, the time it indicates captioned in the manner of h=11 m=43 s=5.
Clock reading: h=9 m=24 s=12
